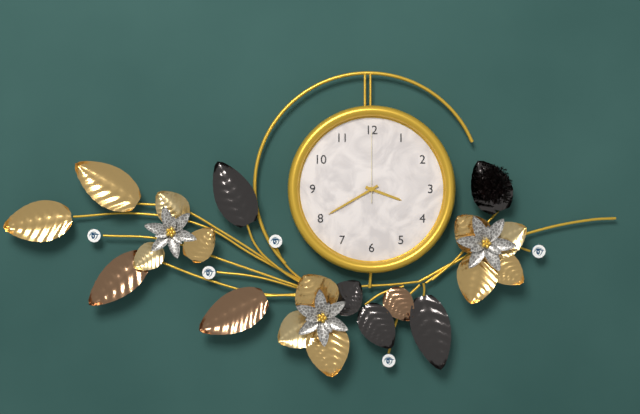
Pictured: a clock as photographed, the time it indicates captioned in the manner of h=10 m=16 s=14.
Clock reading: h=3 m=40 s=0
